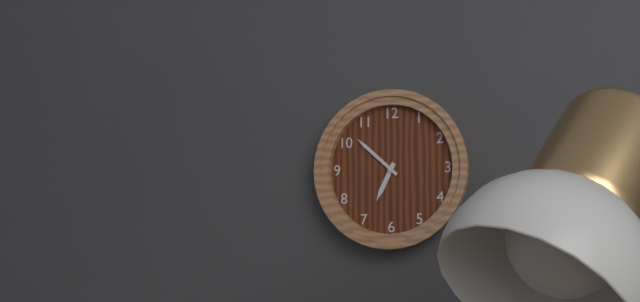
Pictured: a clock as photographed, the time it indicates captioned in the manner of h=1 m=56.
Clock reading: h=6 m=52
